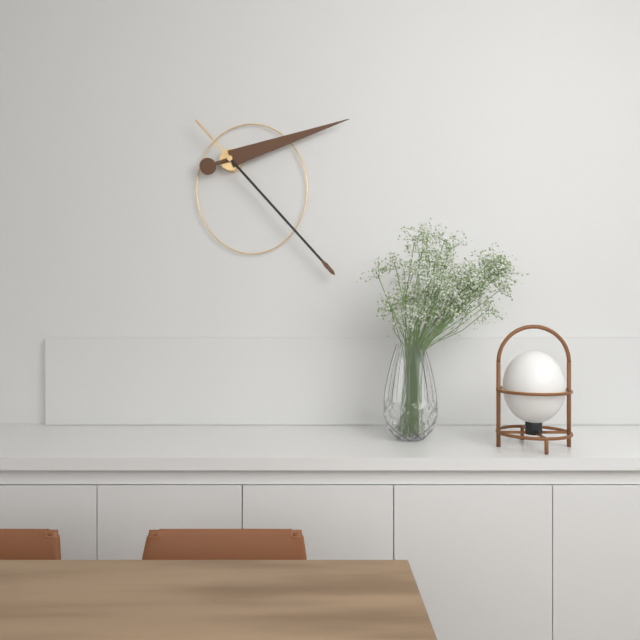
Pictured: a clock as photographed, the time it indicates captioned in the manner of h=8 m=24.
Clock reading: h=2 m=23
